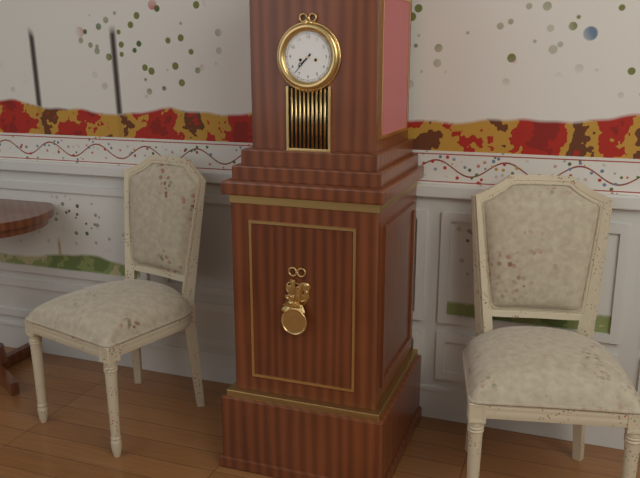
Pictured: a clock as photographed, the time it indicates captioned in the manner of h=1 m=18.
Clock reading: h=7 m=37
